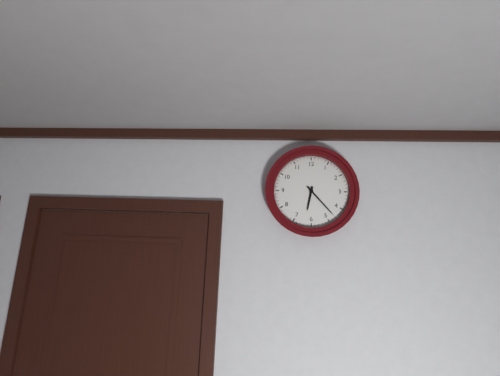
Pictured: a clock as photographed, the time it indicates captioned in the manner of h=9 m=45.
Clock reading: h=6 m=23
